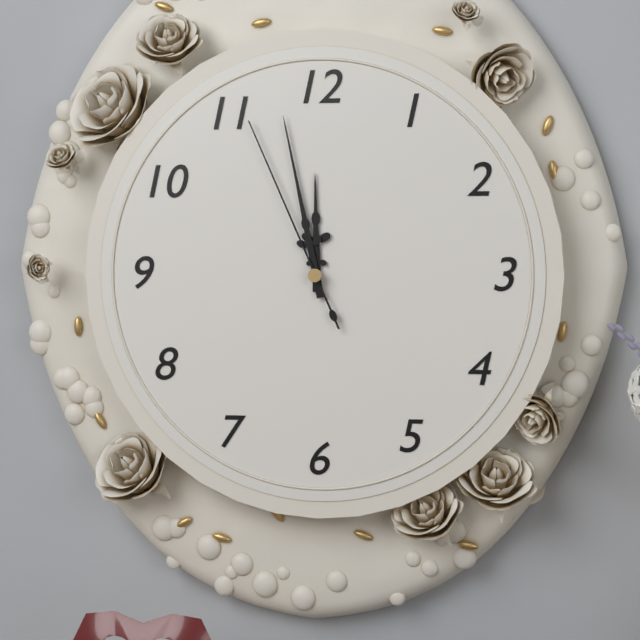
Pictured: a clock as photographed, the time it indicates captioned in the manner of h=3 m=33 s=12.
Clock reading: h=11 m=58 s=56
